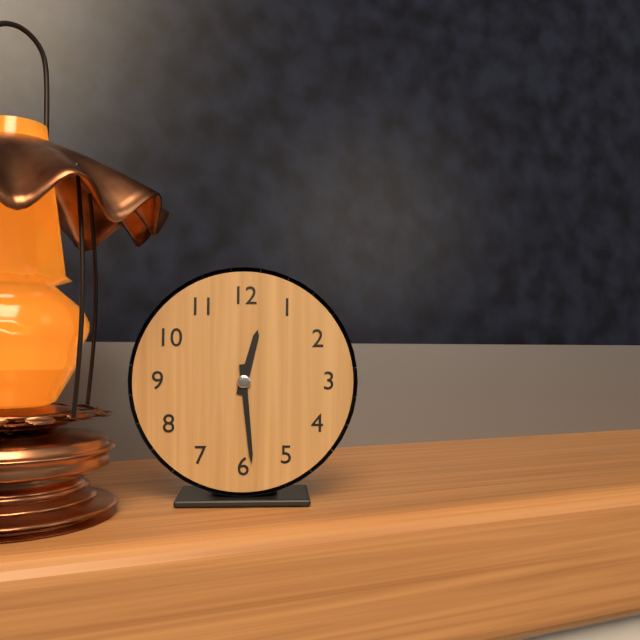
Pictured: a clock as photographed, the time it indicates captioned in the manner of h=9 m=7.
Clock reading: h=12 m=29
